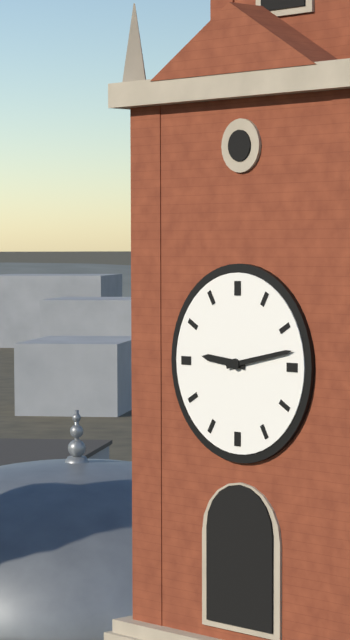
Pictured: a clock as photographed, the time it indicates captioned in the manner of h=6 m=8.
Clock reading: h=9 m=13
